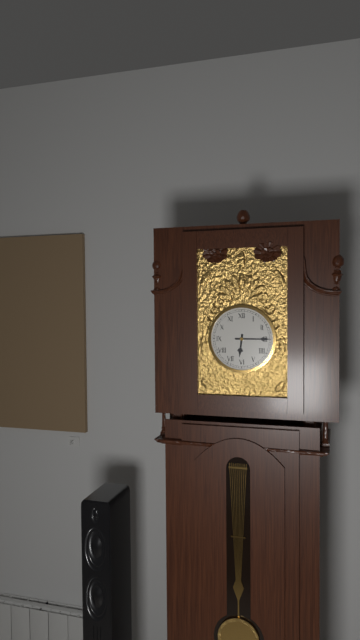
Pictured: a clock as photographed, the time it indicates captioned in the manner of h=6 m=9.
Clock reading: h=6 m=15
